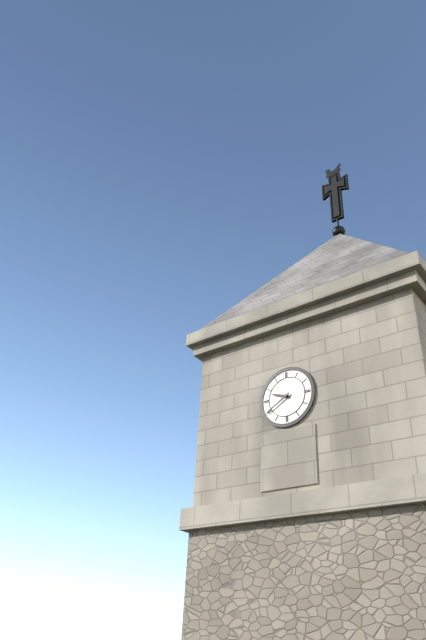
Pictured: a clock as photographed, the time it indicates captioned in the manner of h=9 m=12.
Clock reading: h=9 m=40
